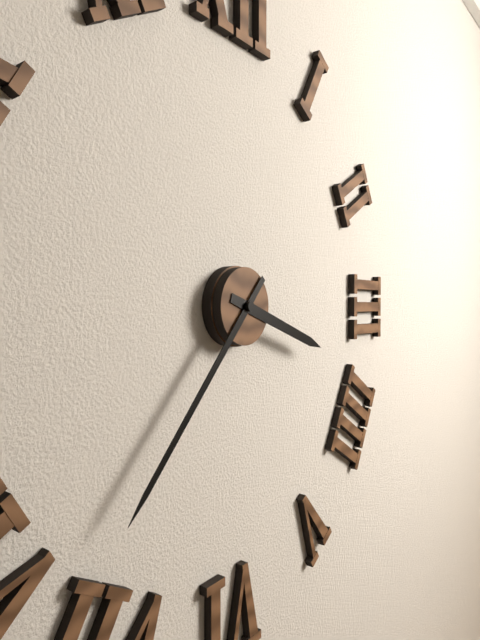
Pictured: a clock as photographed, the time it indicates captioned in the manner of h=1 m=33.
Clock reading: h=3 m=37
